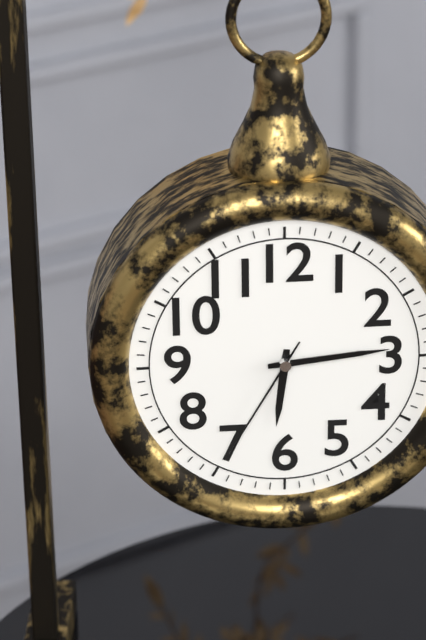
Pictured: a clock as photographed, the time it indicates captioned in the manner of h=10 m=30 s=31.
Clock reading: h=6 m=14 s=35
